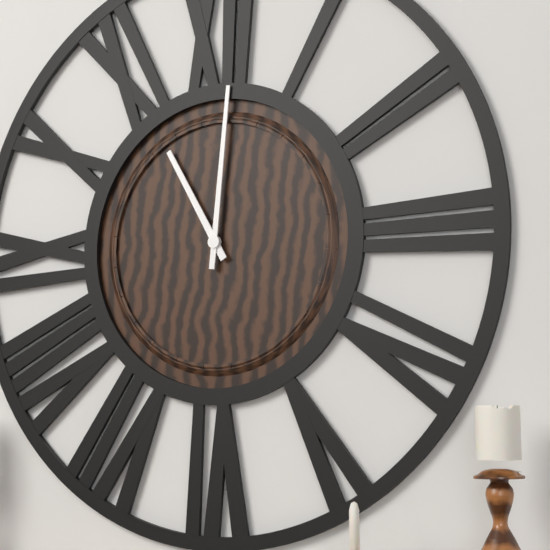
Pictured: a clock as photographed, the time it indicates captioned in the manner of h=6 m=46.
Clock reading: h=11 m=1
